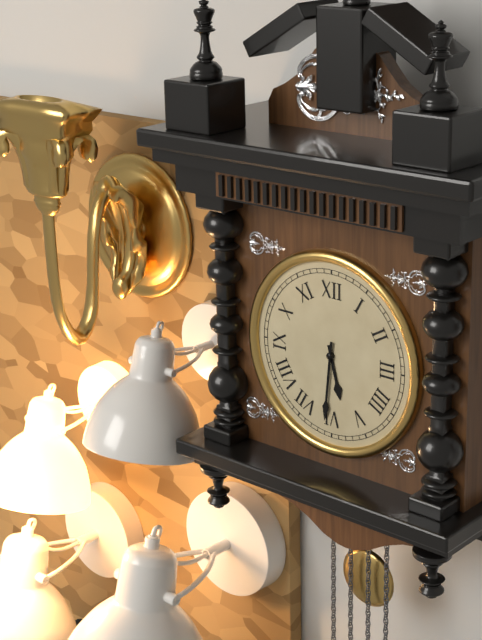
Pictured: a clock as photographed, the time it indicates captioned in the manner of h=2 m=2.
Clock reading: h=5 m=31
